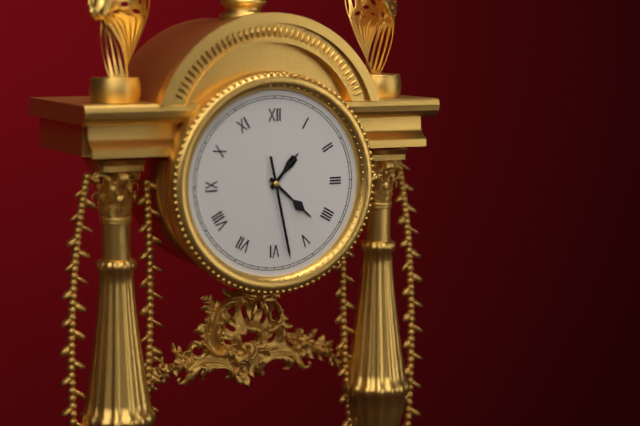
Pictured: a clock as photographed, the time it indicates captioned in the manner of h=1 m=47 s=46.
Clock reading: h=1 m=22 s=28
